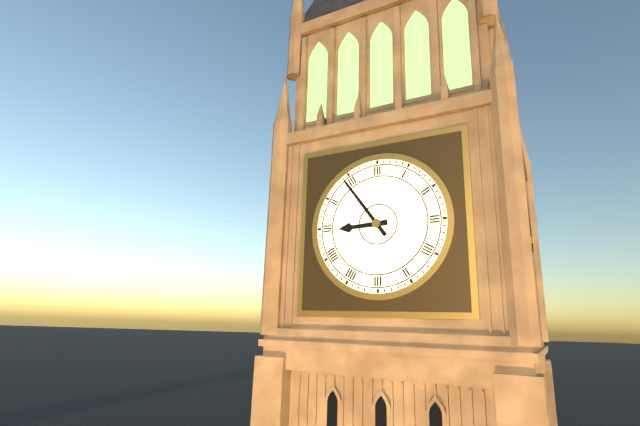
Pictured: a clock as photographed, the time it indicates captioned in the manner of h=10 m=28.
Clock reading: h=8 m=54
